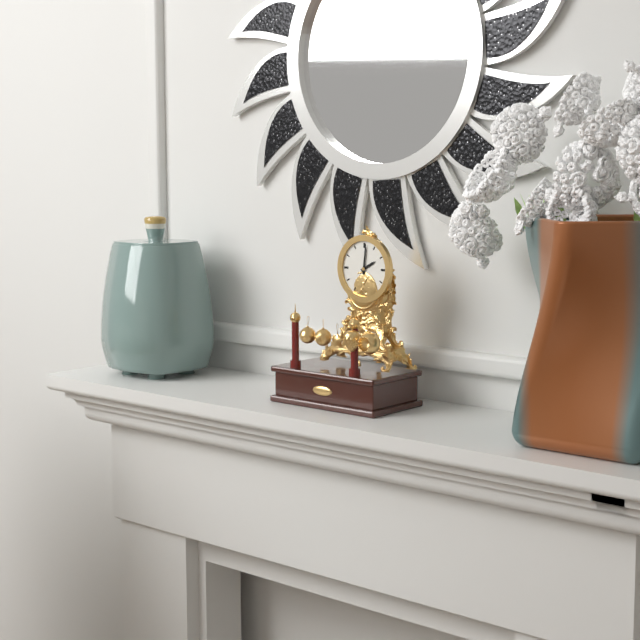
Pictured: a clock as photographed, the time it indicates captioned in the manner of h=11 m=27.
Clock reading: h=2 m=1
